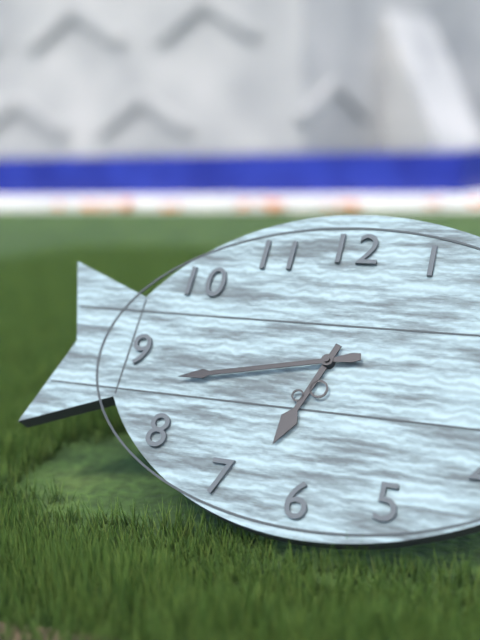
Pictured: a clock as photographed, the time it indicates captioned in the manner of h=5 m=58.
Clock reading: h=6 m=43
